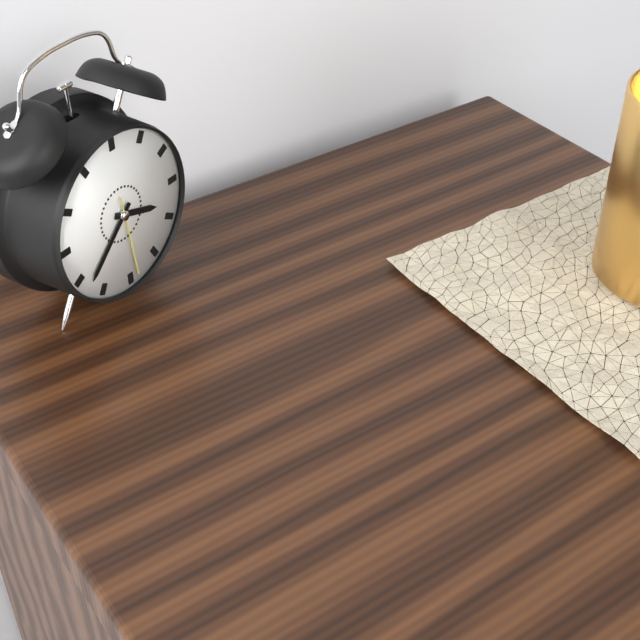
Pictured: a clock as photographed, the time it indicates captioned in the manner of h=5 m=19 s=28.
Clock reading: h=3 m=38 s=29
